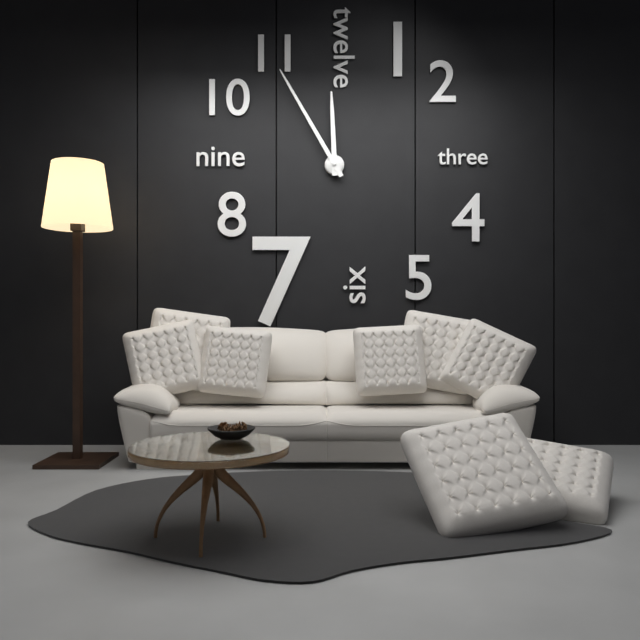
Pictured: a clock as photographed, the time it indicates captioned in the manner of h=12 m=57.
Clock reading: h=11 m=55
